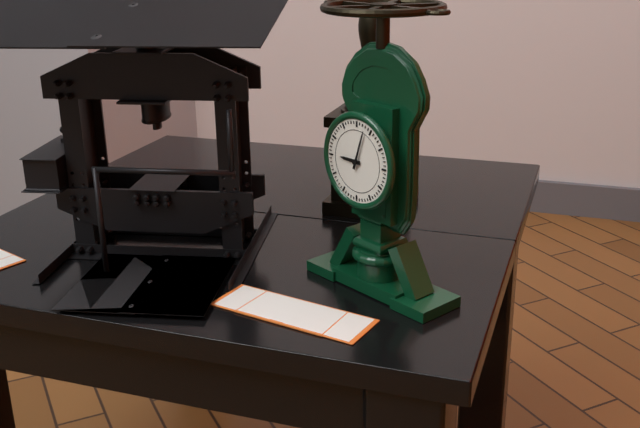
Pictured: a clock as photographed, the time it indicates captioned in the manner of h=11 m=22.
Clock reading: h=9 m=3
